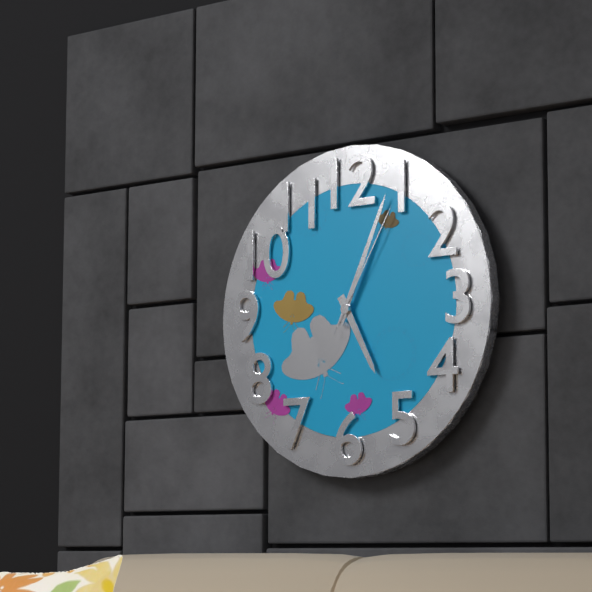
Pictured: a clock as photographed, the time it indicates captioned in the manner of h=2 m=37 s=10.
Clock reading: h=5 m=4 s=5
